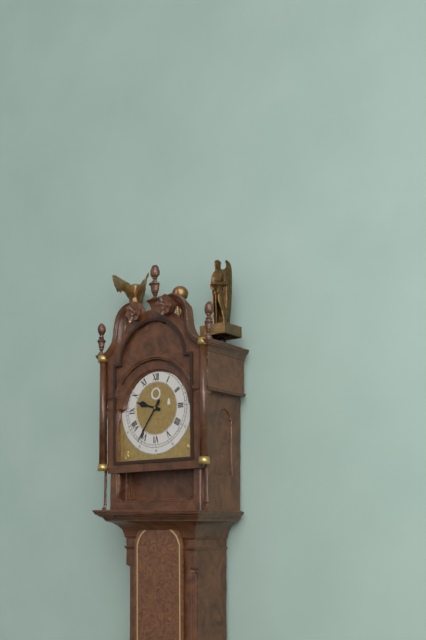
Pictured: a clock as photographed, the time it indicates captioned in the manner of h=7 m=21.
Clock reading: h=9 m=36
